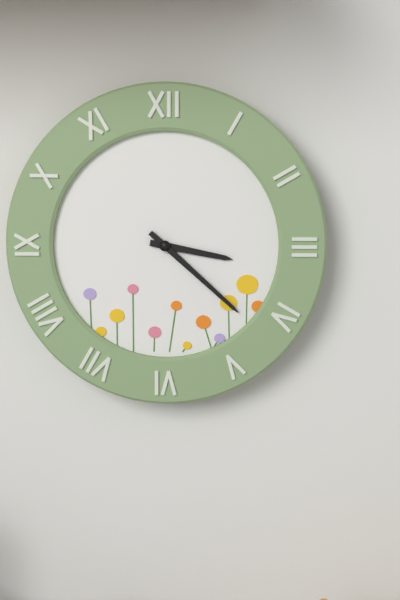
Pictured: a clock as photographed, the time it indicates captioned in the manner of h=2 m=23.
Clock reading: h=3 m=22
